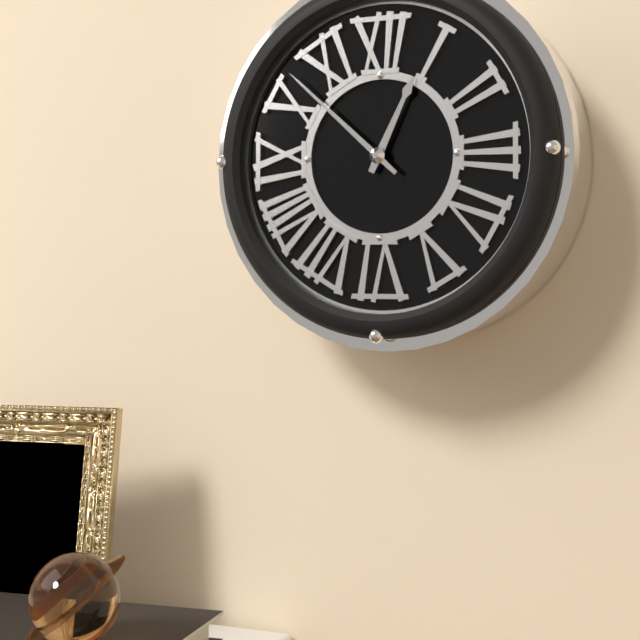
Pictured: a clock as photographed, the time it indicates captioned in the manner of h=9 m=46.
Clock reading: h=12 m=52
